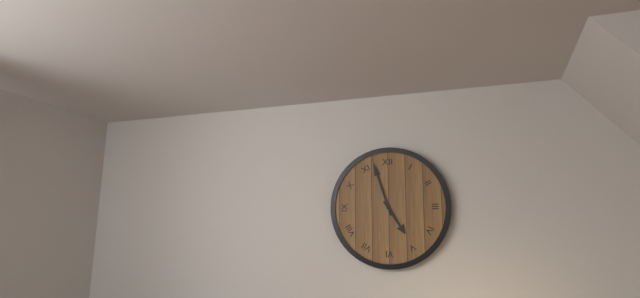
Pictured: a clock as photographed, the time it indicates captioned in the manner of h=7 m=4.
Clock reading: h=4 m=57
